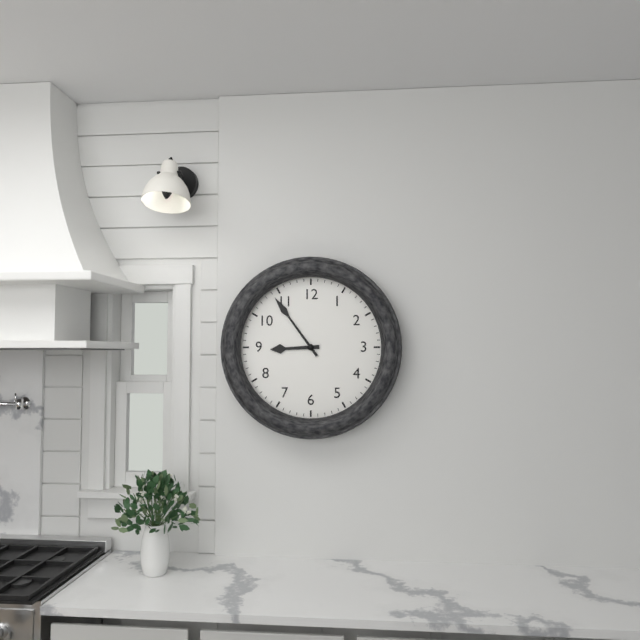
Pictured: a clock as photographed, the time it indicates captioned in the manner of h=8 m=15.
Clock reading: h=8 m=54
